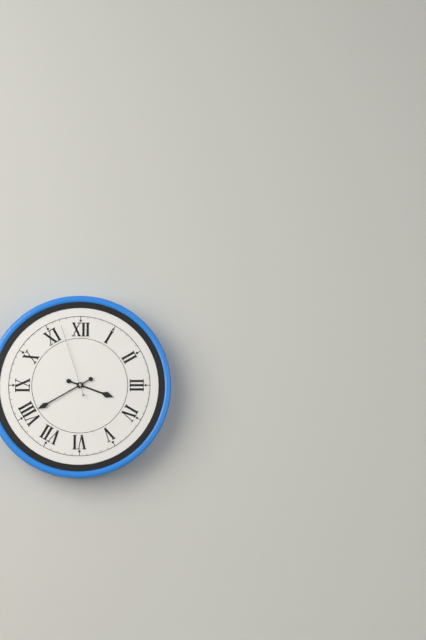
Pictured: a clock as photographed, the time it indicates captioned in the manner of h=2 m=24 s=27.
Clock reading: h=3 m=40 s=57
